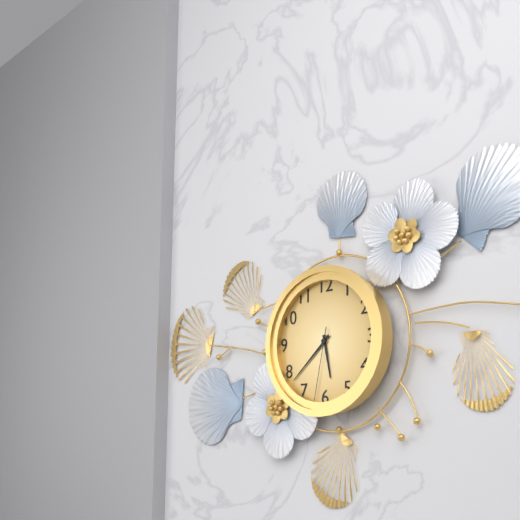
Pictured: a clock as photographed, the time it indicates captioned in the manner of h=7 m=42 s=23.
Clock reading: h=5 m=38 s=32
